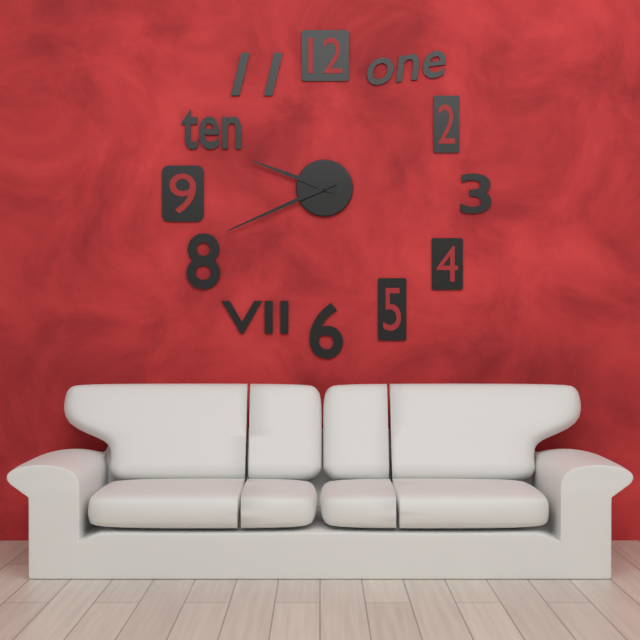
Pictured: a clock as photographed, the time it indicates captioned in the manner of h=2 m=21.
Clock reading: h=9 m=41
